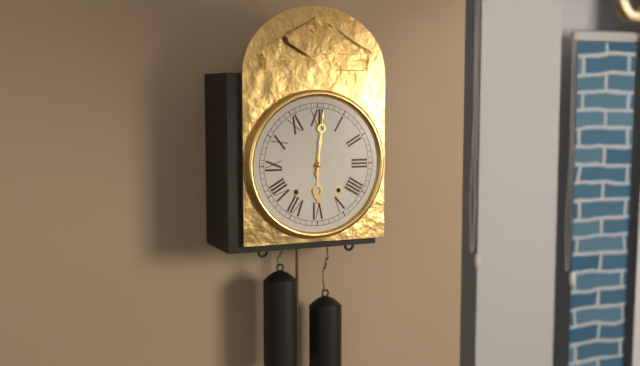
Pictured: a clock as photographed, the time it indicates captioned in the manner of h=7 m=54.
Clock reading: h=6 m=1
